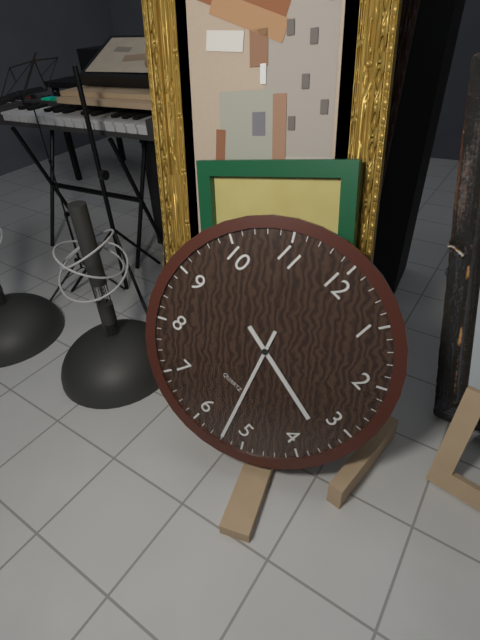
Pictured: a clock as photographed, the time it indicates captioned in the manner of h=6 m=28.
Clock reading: h=3 m=27
